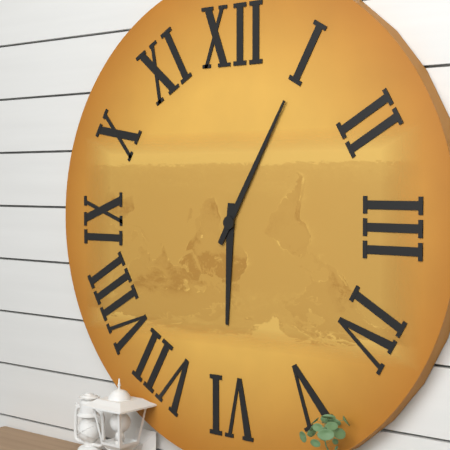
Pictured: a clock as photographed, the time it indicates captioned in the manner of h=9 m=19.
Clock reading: h=6 m=5
